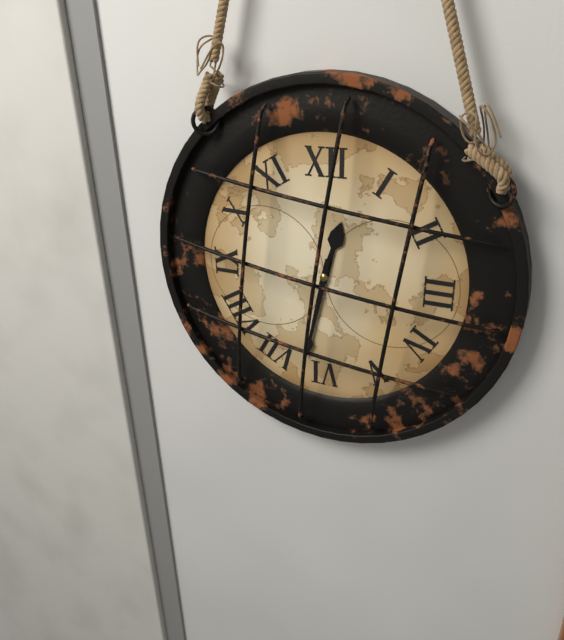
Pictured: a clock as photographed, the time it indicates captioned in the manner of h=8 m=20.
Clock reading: h=12 m=32
